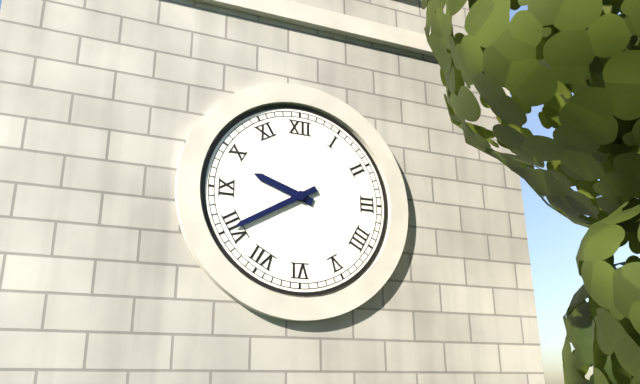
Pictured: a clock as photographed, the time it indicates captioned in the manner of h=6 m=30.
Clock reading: h=9 m=40
